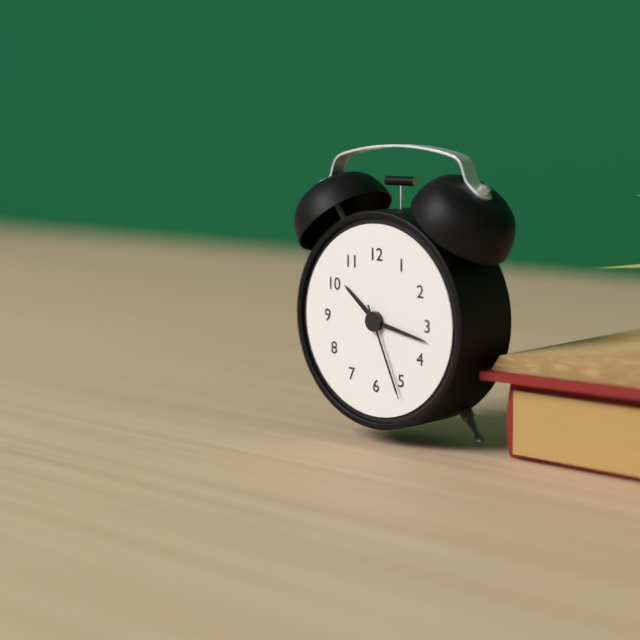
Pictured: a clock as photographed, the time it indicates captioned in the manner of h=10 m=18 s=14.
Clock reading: h=10 m=17 s=26
